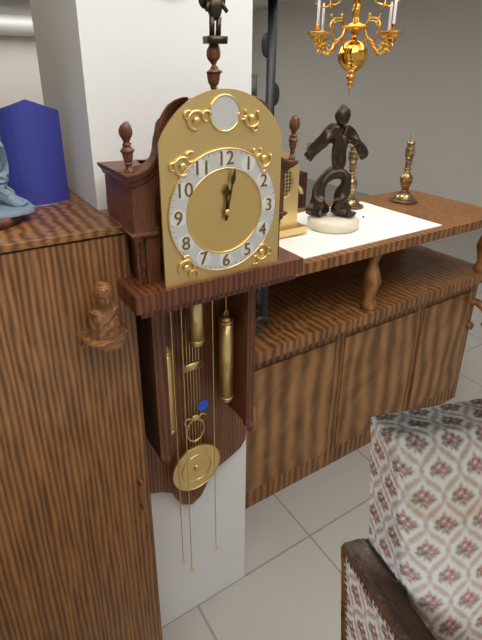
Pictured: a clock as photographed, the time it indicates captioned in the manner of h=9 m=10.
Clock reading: h=12 m=2
